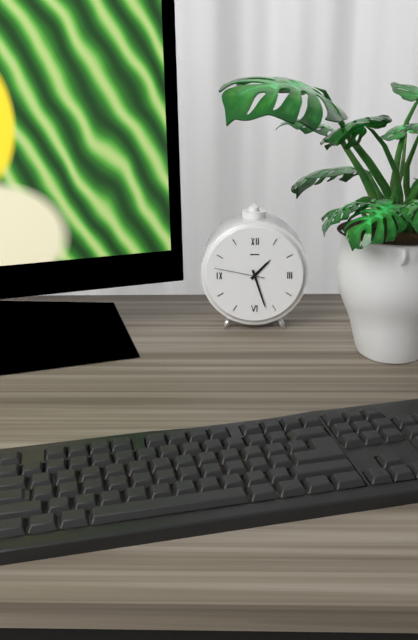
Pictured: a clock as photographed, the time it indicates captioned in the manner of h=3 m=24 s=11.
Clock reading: h=1 m=27 s=47
